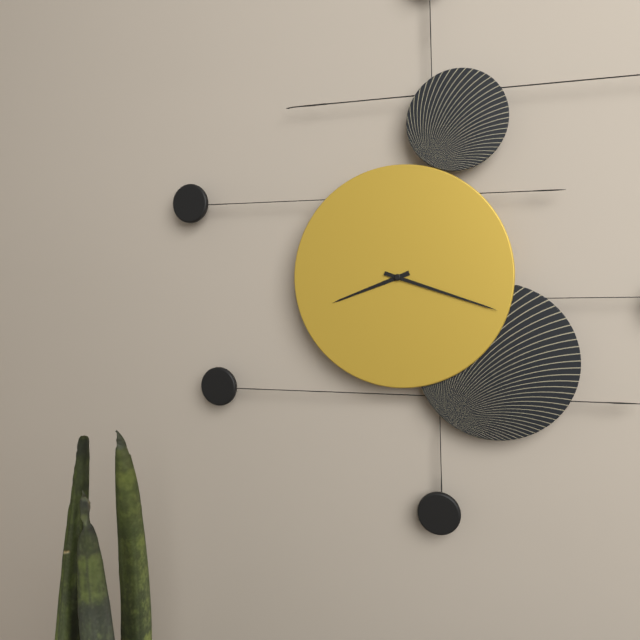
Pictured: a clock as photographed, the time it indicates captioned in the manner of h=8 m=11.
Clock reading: h=8 m=18
